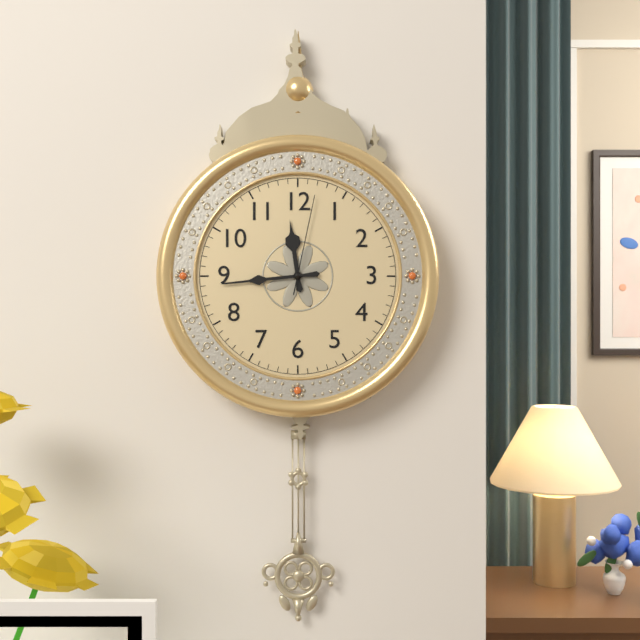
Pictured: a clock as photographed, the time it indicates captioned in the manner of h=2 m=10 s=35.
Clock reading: h=11 m=44 s=2
